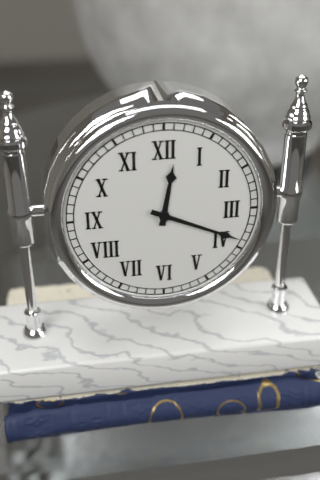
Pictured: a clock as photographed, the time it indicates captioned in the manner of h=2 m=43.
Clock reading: h=12 m=19
